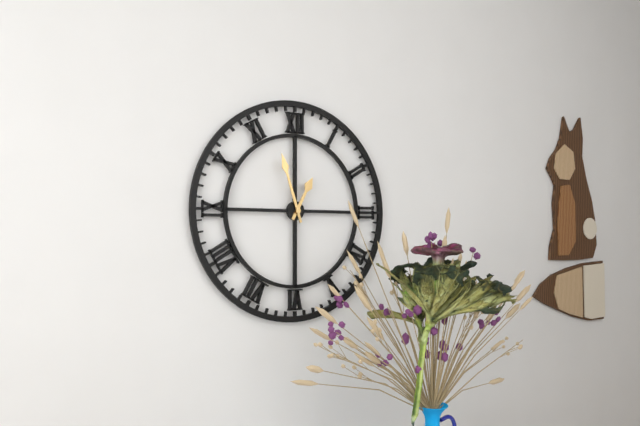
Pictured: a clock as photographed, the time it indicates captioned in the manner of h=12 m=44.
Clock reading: h=12 m=57
